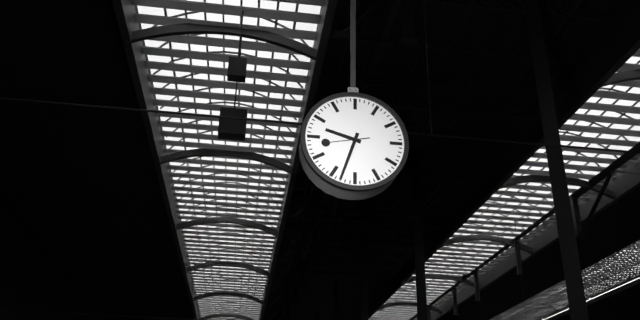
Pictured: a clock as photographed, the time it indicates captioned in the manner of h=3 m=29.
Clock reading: h=9 m=33
